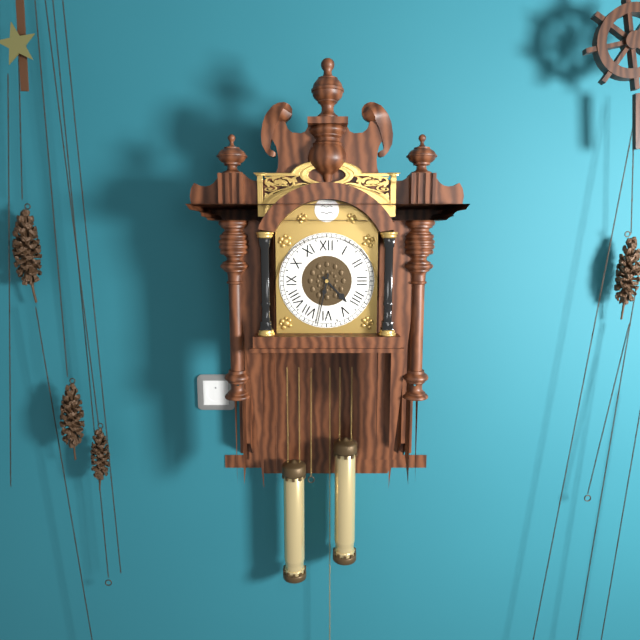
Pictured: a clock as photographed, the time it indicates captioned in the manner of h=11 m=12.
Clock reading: h=4 m=32
